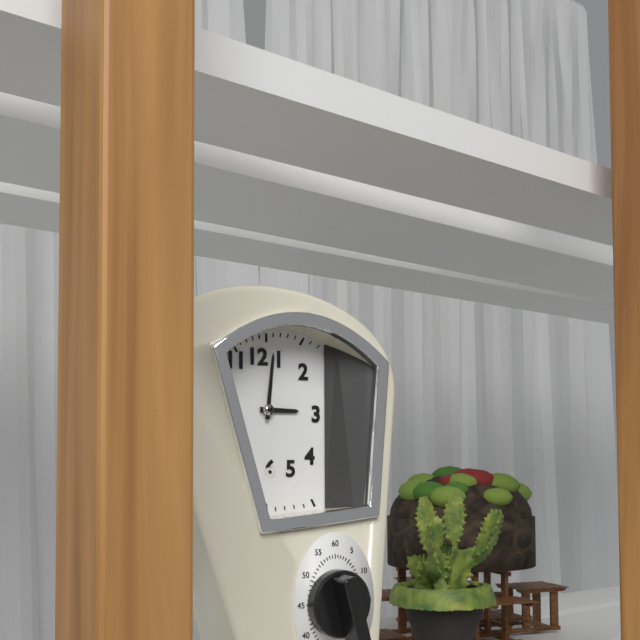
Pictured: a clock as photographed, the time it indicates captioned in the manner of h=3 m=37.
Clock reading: h=3 m=1
